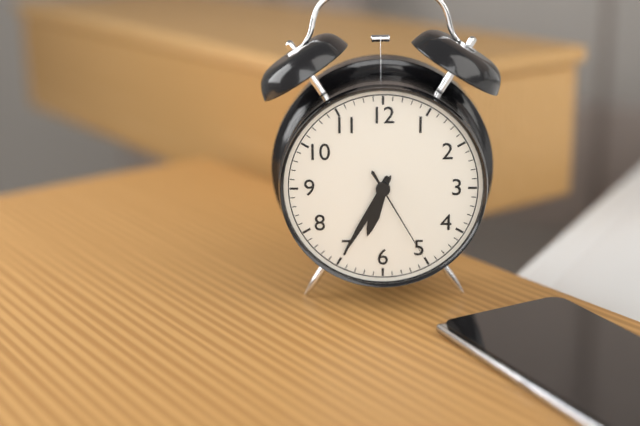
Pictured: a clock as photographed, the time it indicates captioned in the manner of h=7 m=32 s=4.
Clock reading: h=6 m=35 s=25
